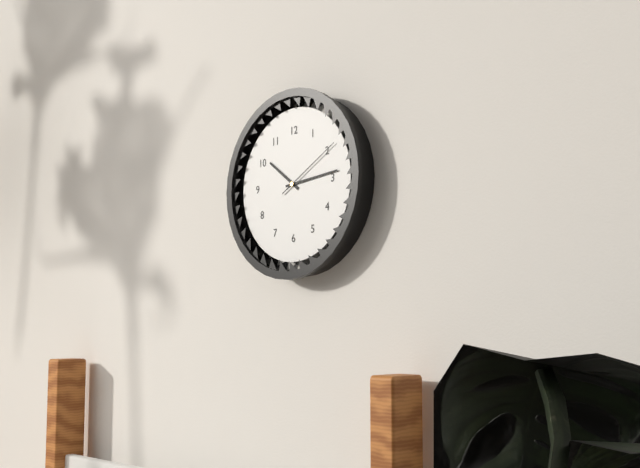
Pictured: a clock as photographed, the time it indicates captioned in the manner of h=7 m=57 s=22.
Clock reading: h=10 m=14 s=10
